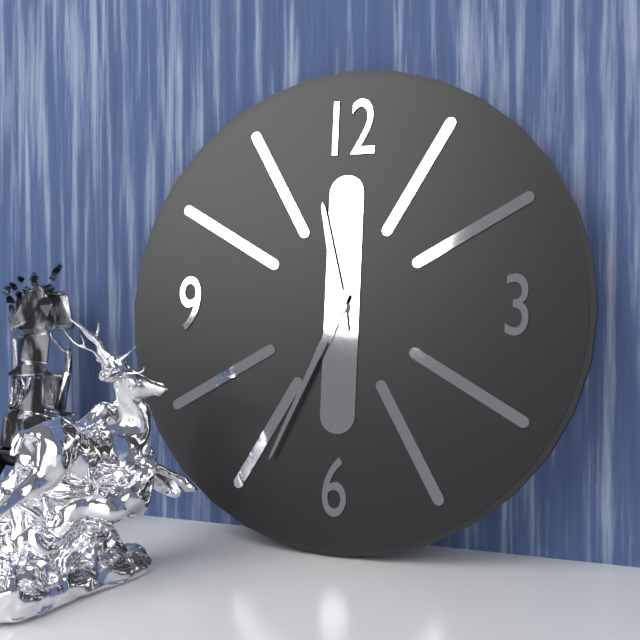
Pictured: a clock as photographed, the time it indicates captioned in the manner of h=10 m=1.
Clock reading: h=11 m=34
